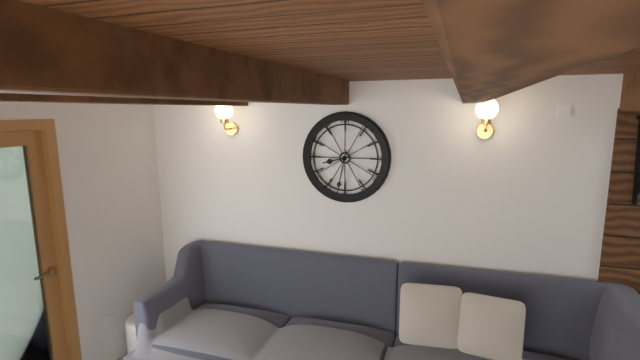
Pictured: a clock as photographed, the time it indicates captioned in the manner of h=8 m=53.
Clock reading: h=8 m=32
